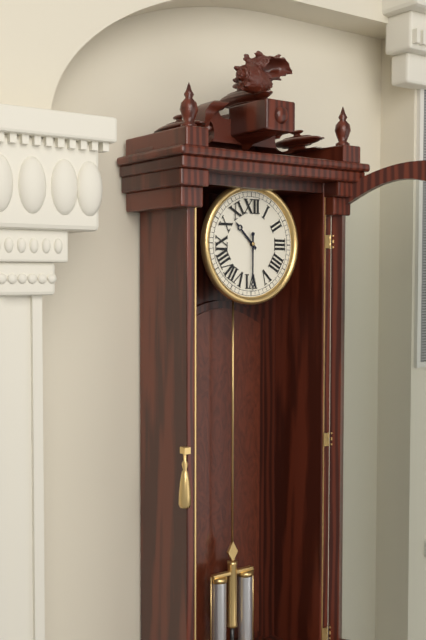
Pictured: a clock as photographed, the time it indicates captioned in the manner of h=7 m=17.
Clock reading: h=10 m=30
